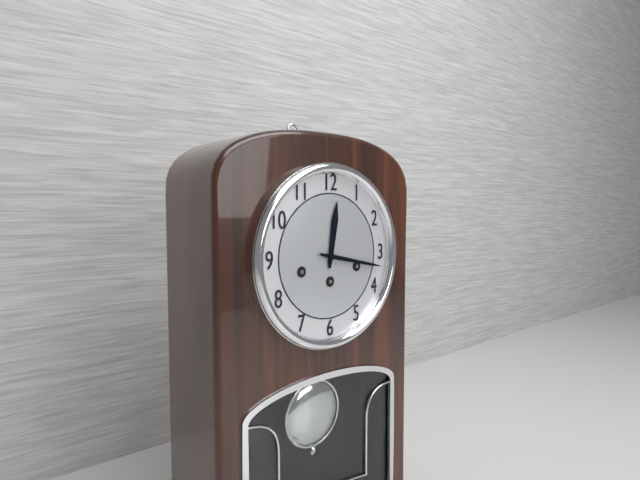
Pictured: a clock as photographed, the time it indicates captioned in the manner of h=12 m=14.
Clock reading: h=12 m=17
